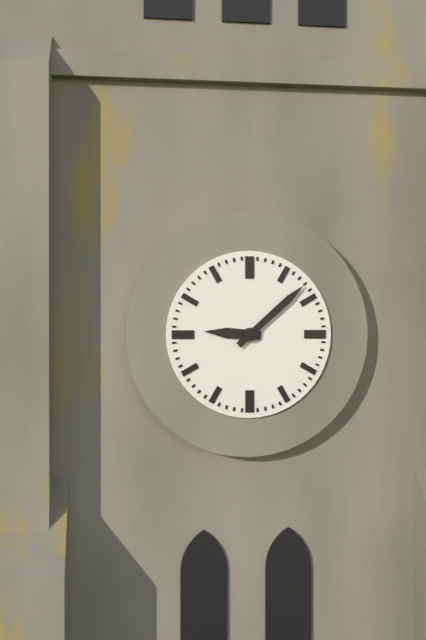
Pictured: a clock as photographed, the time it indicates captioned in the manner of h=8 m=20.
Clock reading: h=9 m=8
